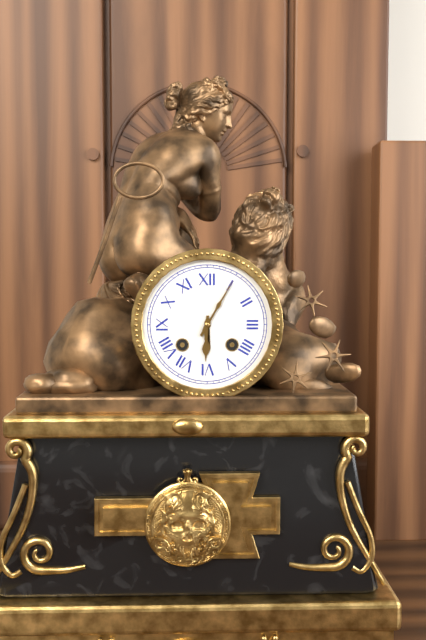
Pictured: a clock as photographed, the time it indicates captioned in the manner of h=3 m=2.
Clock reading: h=6 m=5
